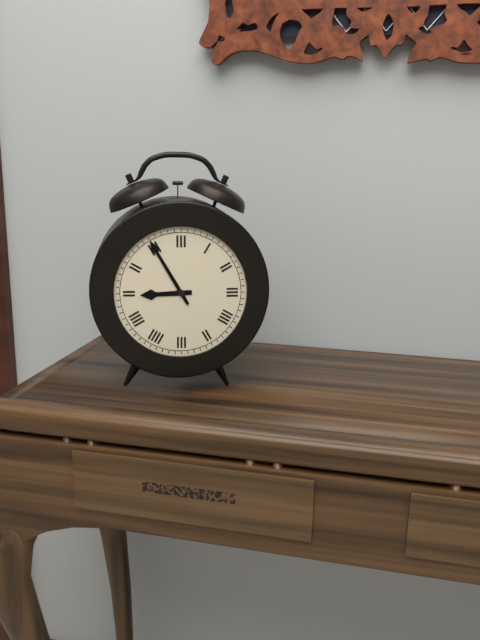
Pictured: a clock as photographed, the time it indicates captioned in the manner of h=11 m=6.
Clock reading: h=8 m=55
